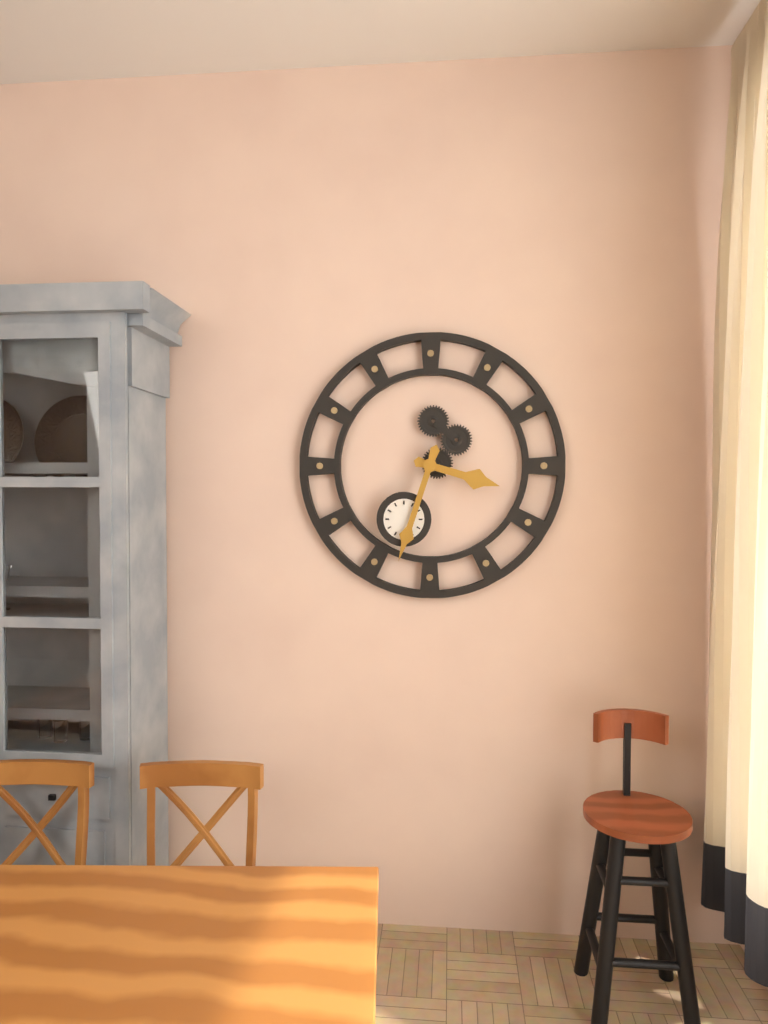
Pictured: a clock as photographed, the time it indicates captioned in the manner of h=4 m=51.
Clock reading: h=3 m=33
